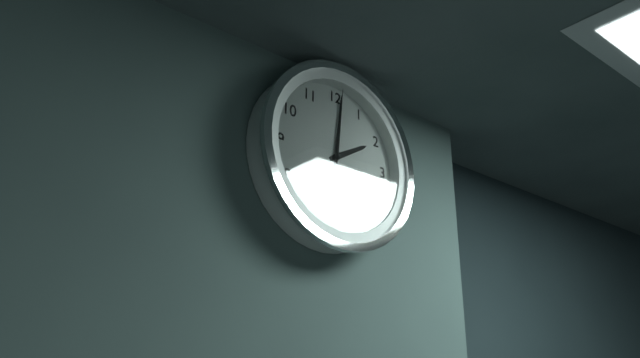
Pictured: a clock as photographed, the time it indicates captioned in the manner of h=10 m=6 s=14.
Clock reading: h=2 m=1 s=1
